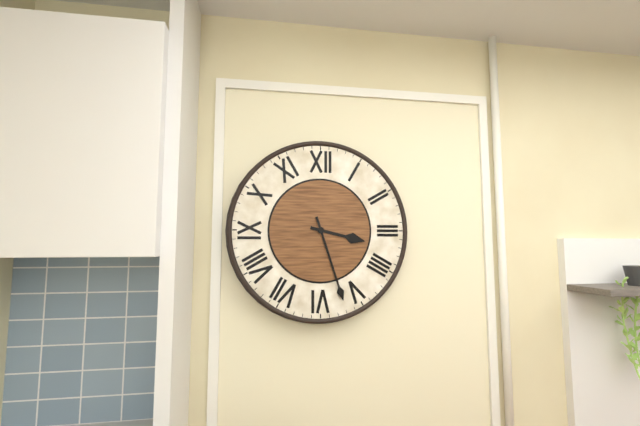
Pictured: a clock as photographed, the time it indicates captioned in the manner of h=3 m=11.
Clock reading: h=3 m=27
